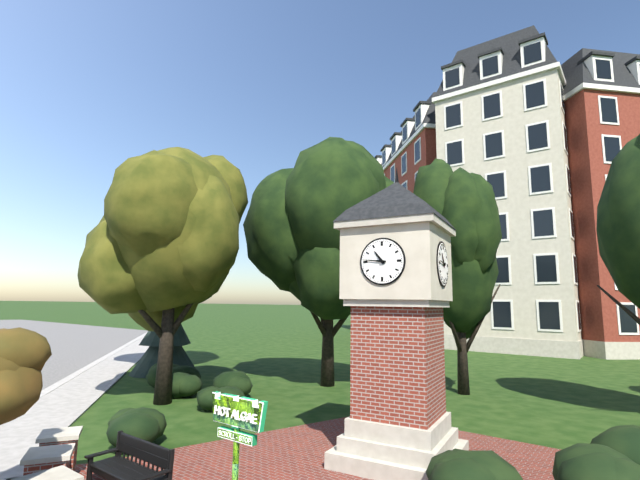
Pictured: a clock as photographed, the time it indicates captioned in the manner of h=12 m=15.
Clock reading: h=10 m=46
